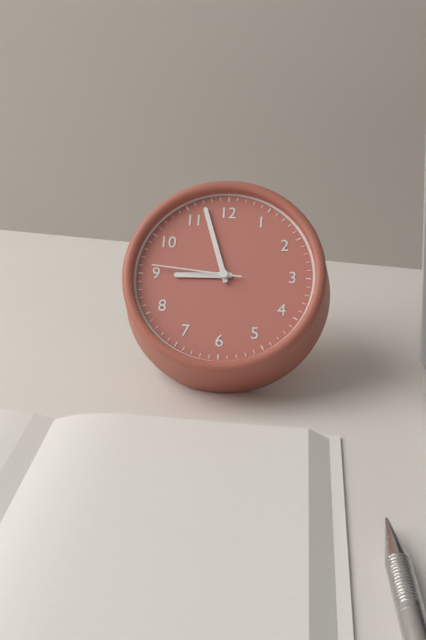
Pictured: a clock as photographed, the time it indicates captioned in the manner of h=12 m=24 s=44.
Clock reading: h=8 m=57 s=46
